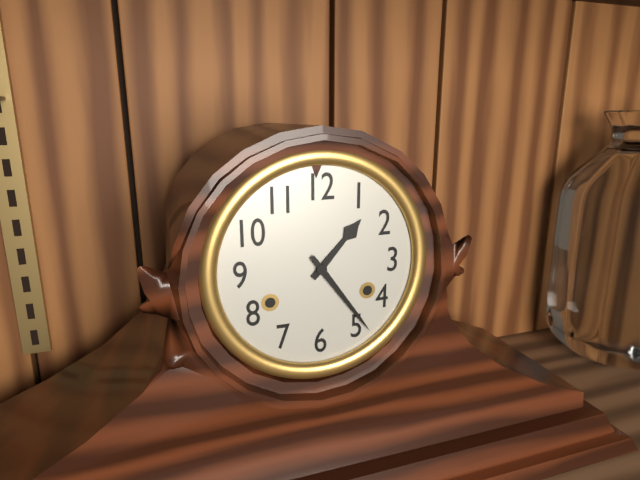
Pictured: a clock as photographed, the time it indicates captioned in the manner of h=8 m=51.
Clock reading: h=1 m=24
